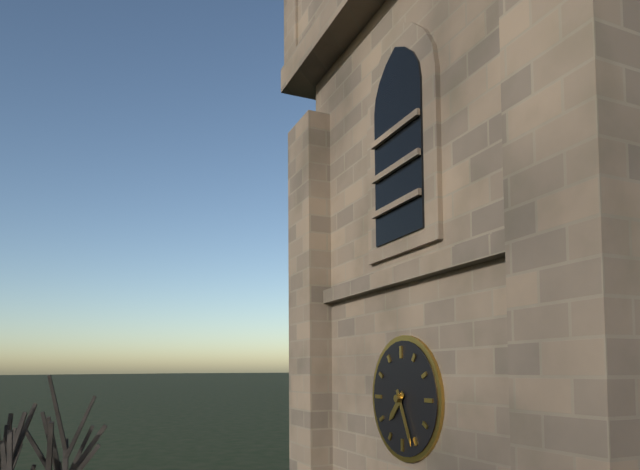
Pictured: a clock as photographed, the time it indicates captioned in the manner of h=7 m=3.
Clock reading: h=7 m=26
